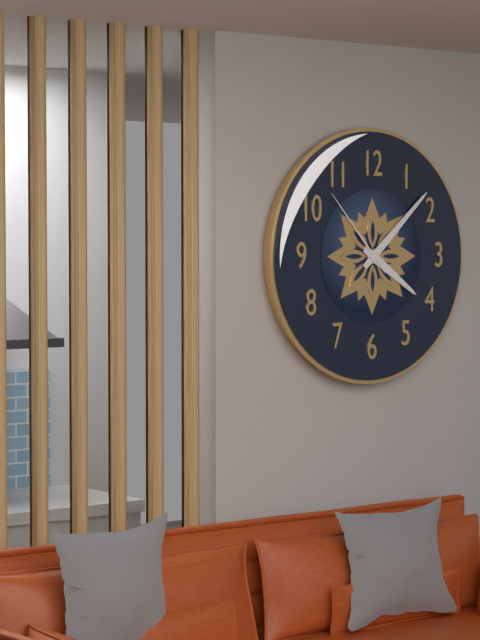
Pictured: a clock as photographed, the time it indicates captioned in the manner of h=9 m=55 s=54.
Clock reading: h=4 m=8 s=53
